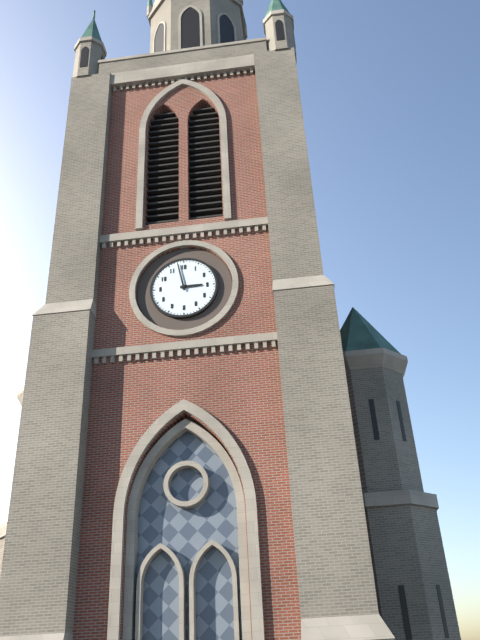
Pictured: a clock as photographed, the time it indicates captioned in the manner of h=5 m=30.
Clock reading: h=2 m=58
